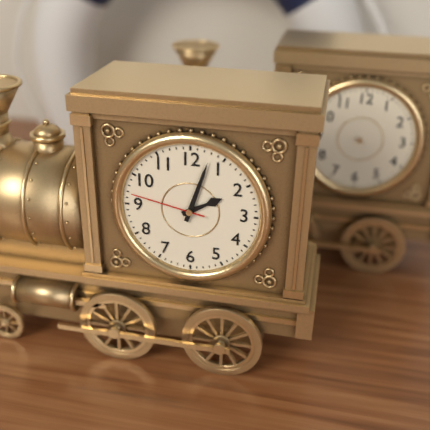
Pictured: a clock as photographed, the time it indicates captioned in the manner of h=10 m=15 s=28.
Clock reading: h=2 m=3 s=47
